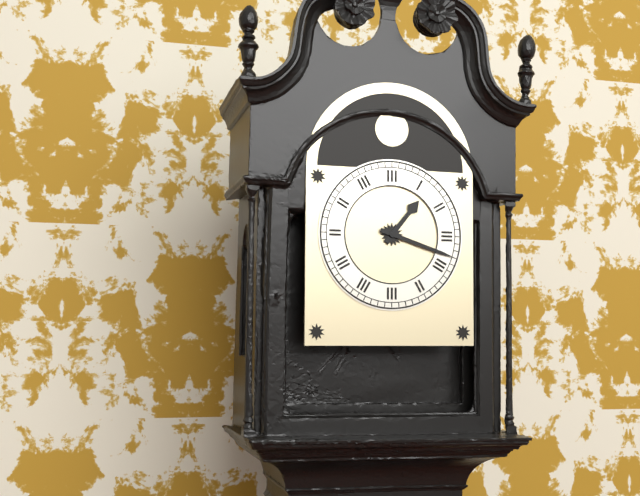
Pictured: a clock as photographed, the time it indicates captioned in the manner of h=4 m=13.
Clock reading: h=1 m=18
